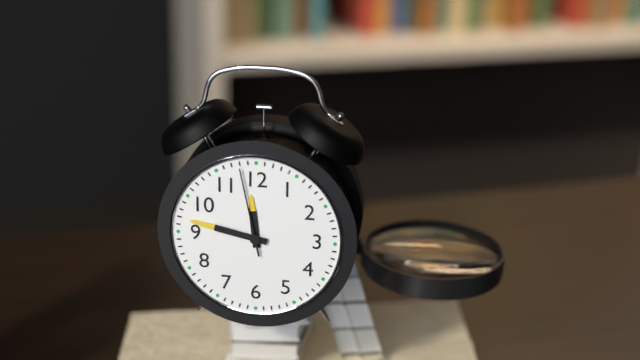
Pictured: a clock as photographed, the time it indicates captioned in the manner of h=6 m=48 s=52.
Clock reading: h=11 m=47 s=58
